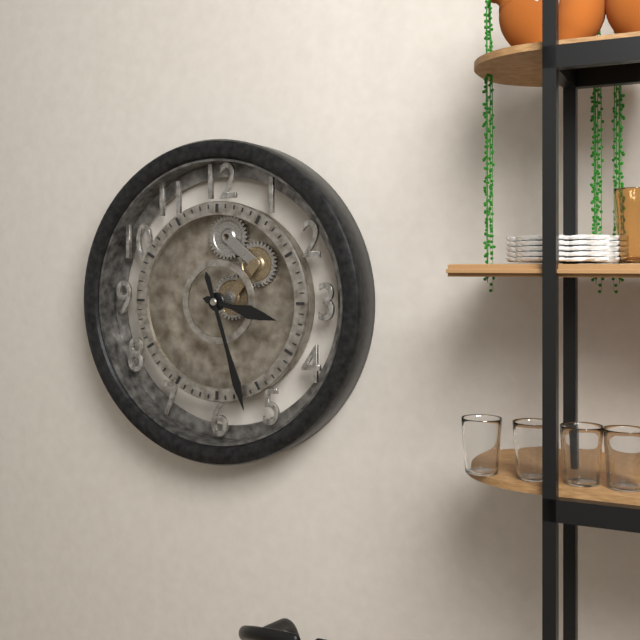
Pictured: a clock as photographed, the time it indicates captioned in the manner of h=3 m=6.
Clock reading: h=3 m=27
